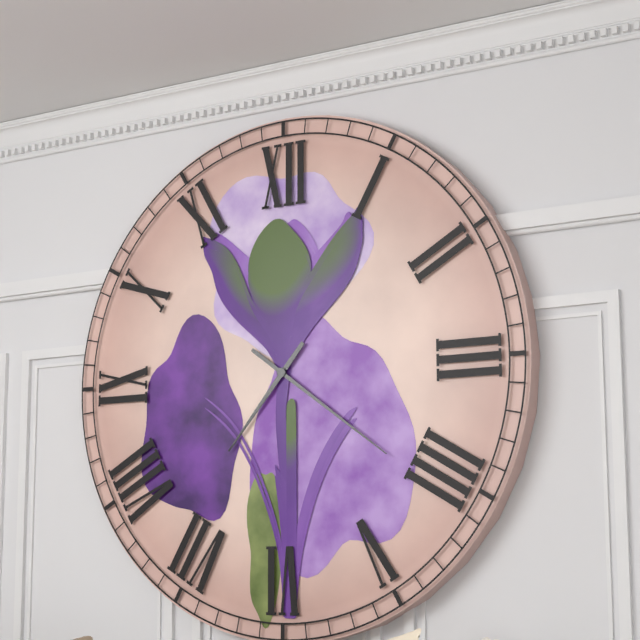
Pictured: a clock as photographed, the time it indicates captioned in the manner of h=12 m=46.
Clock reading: h=7 m=21
